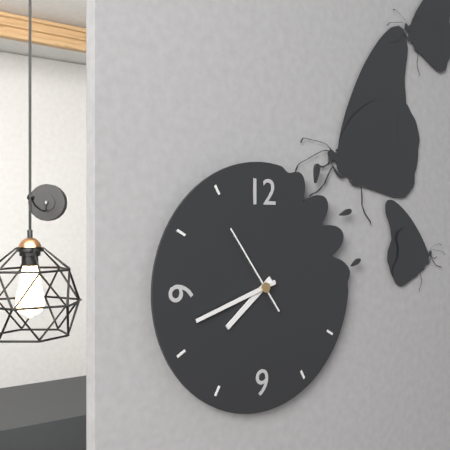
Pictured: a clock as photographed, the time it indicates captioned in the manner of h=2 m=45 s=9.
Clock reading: h=7 m=42 s=54
